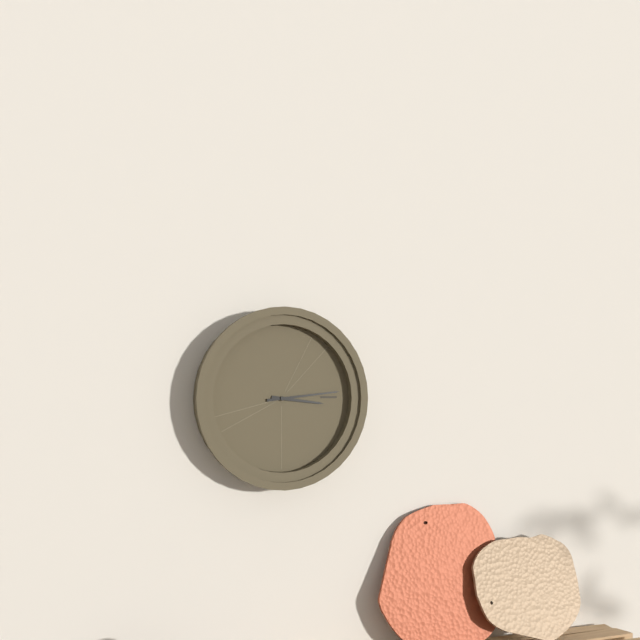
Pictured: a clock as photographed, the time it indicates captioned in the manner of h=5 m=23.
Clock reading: h=3 m=14
